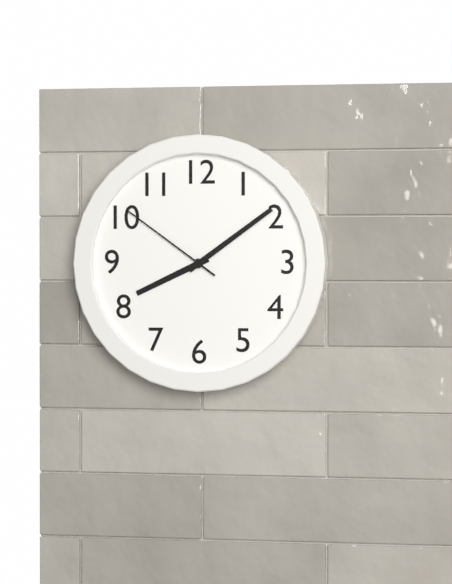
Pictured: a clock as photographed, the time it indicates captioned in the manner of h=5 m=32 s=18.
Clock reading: h=8 m=9 s=51
